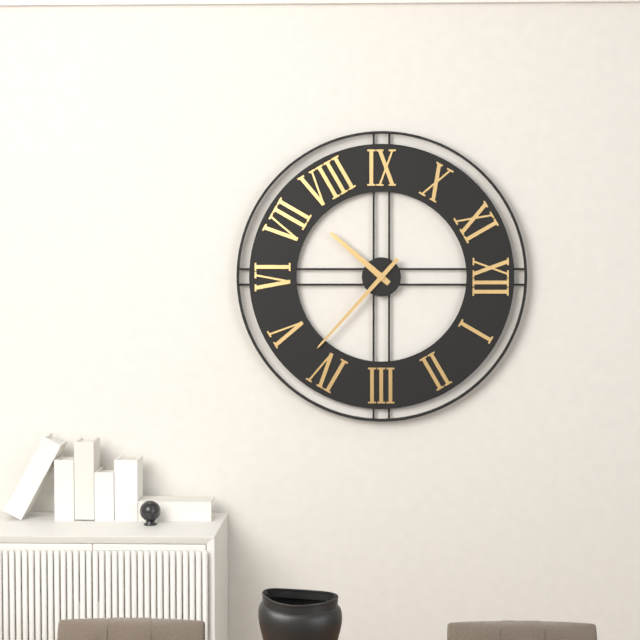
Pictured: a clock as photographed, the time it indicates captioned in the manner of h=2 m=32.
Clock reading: h=7 m=22
